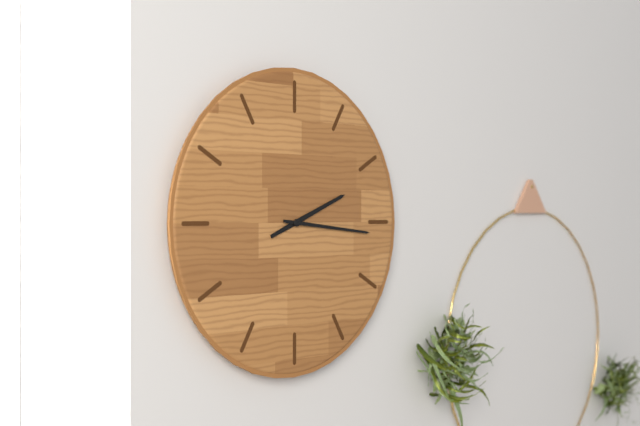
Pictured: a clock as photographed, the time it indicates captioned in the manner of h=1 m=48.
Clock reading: h=2 m=16
